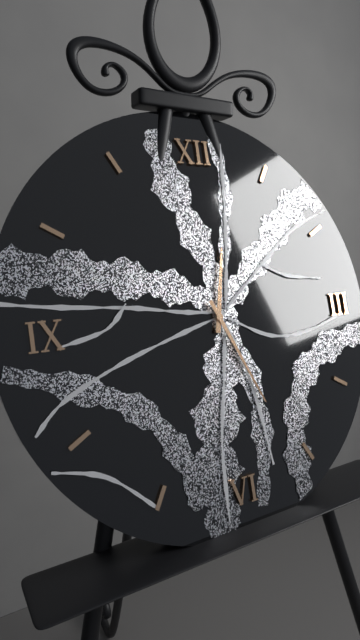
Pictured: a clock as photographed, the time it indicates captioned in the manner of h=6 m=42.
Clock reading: h=12 m=26
